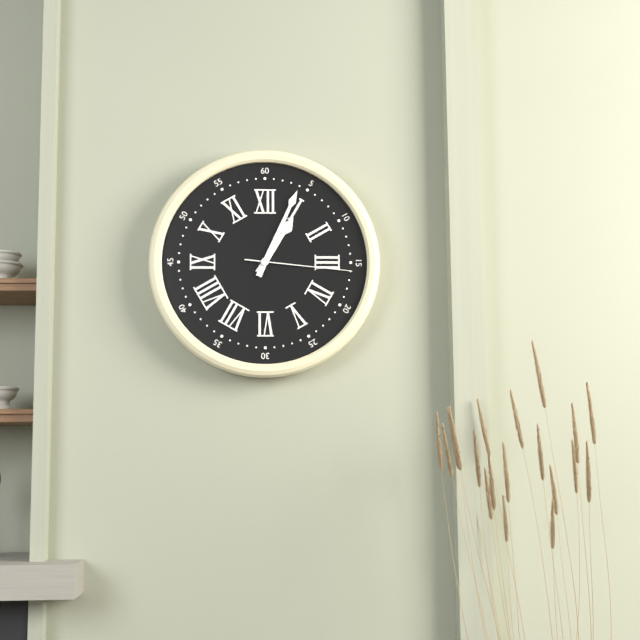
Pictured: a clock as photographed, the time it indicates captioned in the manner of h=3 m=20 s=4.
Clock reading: h=1 m=4 s=16
